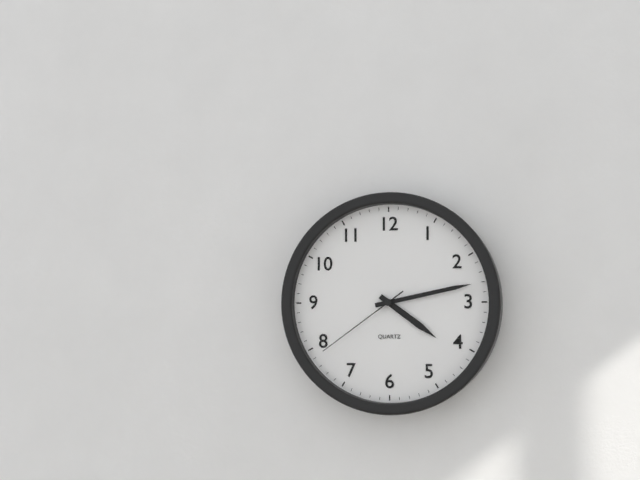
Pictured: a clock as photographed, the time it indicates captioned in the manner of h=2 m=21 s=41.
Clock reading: h=4 m=13 s=39
